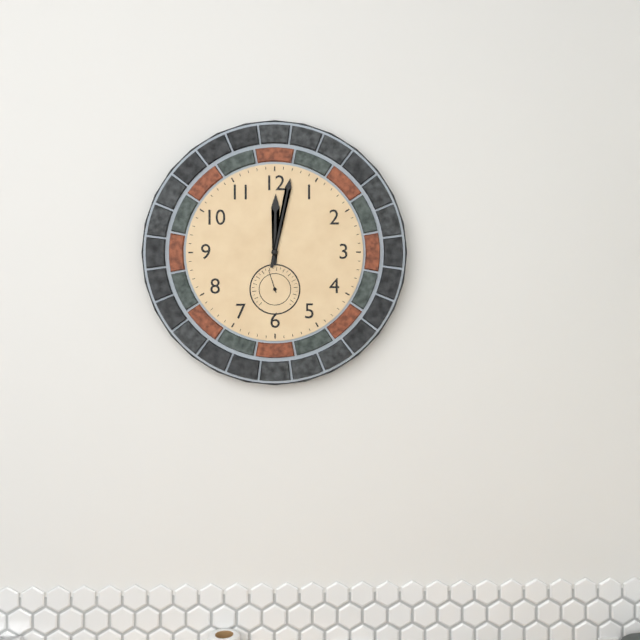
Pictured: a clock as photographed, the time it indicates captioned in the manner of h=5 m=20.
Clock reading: h=12 m=2
